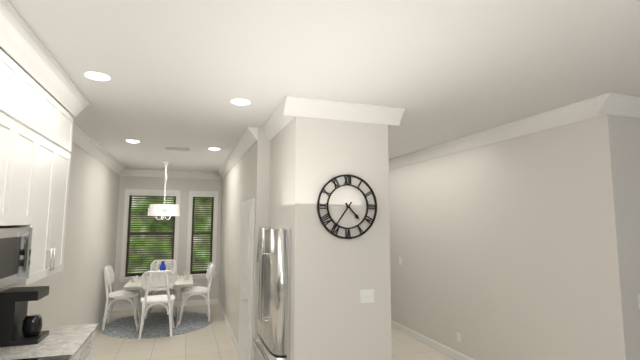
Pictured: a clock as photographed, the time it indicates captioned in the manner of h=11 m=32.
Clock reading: h=4 m=36
